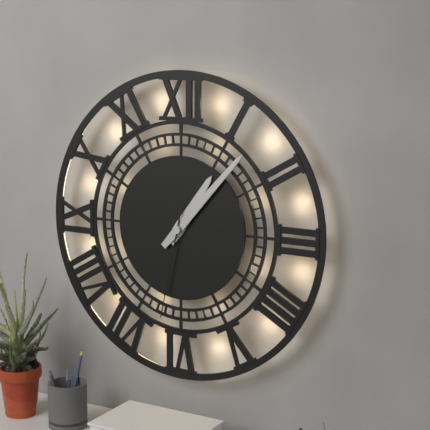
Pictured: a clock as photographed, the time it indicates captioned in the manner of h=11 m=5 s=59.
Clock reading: h=1 m=7 s=32
